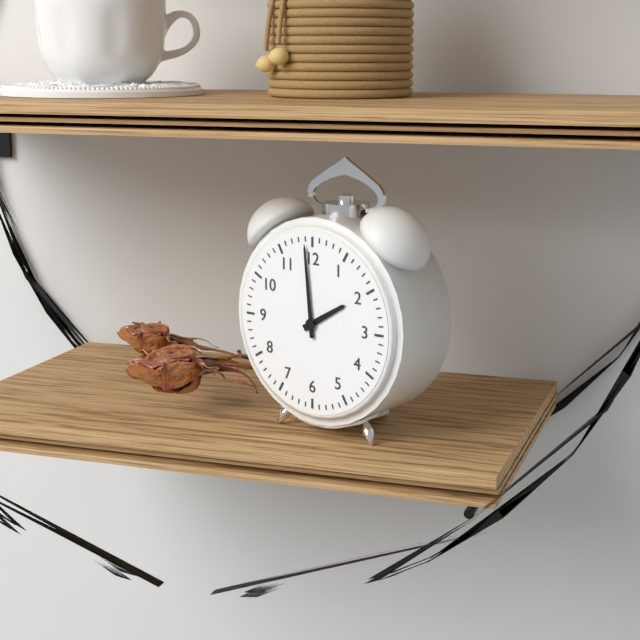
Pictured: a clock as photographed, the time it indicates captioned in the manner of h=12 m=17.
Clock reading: h=1 m=59
